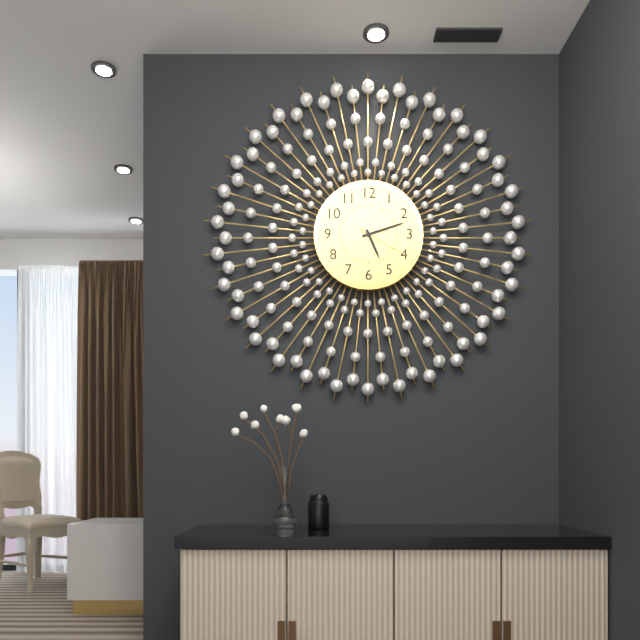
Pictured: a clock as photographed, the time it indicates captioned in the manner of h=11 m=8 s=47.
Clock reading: h=5 m=12 s=20
